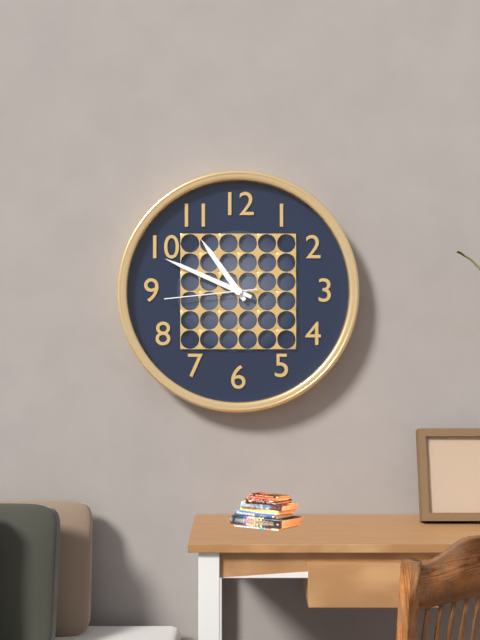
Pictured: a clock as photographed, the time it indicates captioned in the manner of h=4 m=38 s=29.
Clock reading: h=10 m=49 s=44
